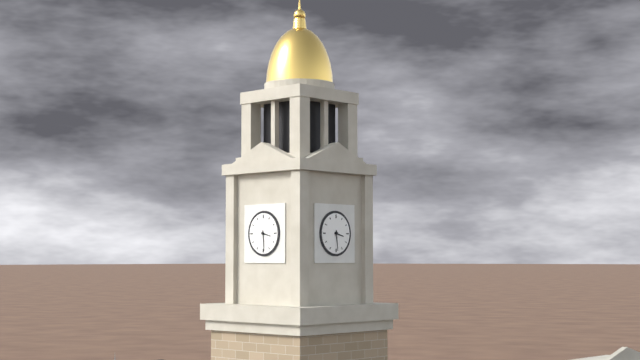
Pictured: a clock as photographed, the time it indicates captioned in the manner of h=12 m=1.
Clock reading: h=3 m=29
